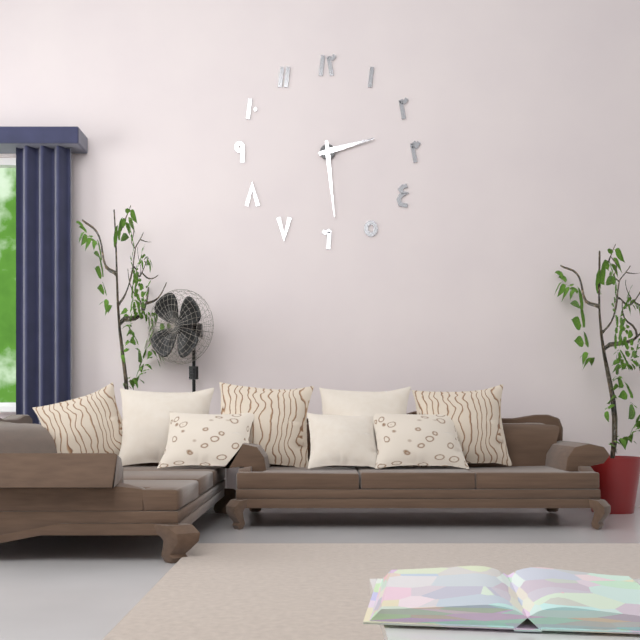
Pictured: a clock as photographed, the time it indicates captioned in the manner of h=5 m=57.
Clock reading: h=2 m=29
